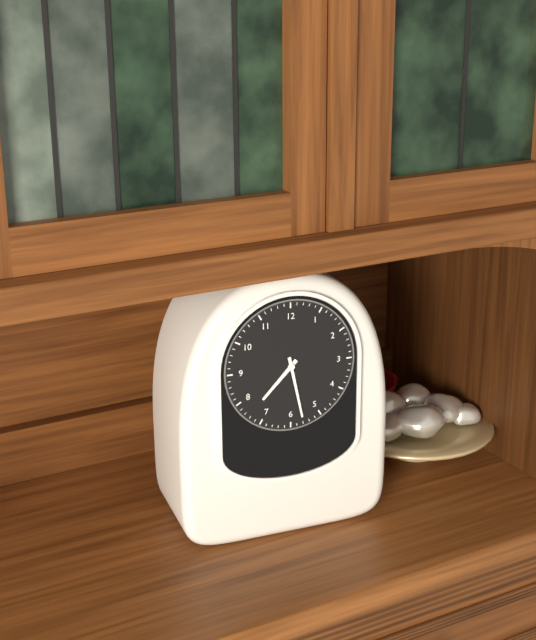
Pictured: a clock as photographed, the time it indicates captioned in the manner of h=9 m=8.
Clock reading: h=7 m=28
